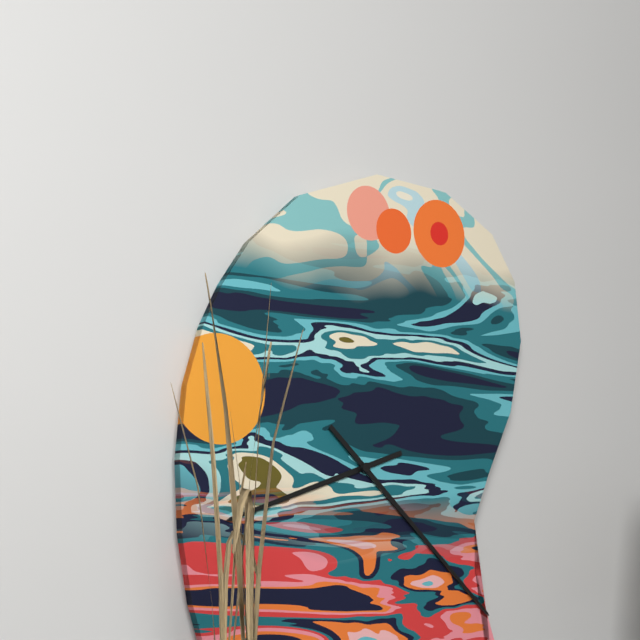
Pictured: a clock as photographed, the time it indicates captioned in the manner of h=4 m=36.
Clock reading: h=8 m=22
